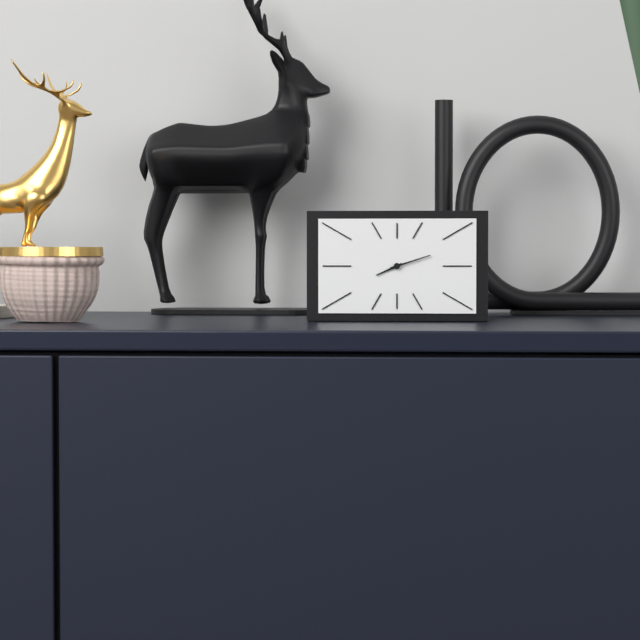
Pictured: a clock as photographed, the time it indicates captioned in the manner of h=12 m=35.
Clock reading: h=8 m=12
